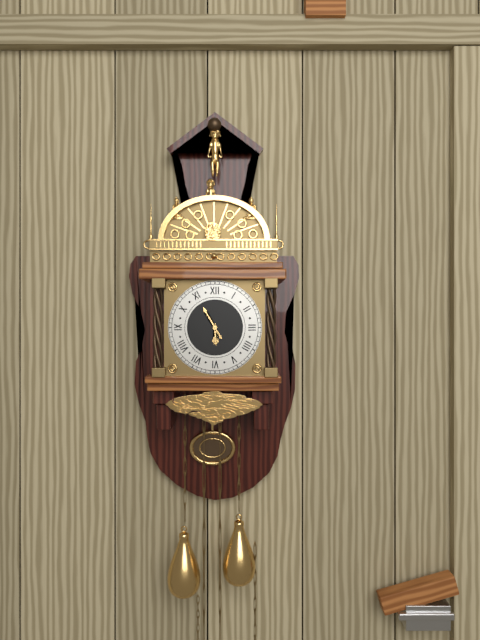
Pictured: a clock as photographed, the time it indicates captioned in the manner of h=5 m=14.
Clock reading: h=5 m=55
